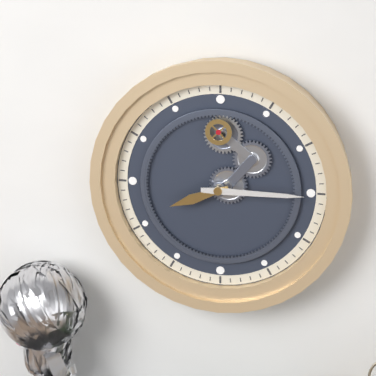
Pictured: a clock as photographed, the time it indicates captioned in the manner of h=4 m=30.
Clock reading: h=8 m=15
